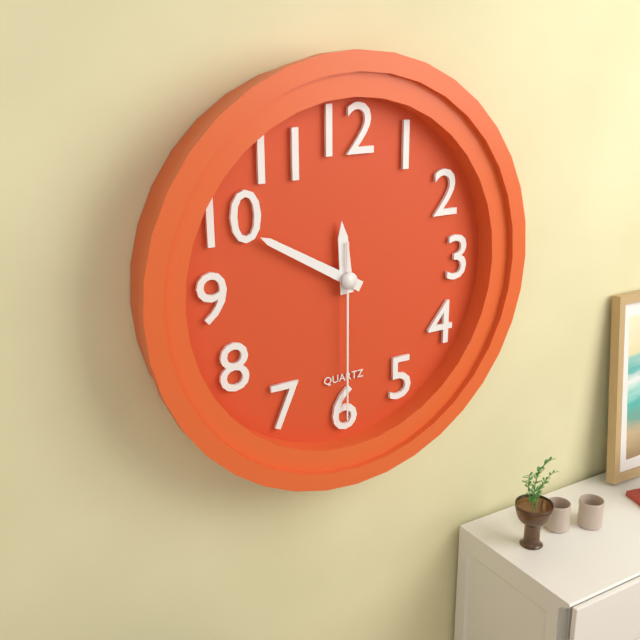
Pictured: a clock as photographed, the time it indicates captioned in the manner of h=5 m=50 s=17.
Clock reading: h=11 m=50 s=30
